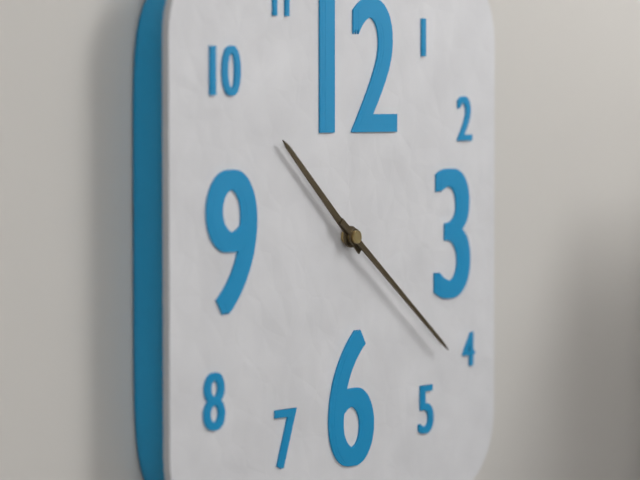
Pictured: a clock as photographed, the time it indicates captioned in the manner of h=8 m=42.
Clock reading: h=10 m=21
